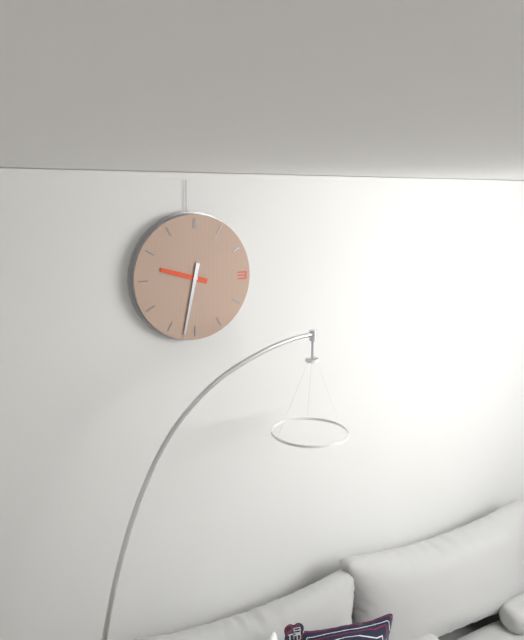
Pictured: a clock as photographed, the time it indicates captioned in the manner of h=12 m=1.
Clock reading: h=9 m=32
